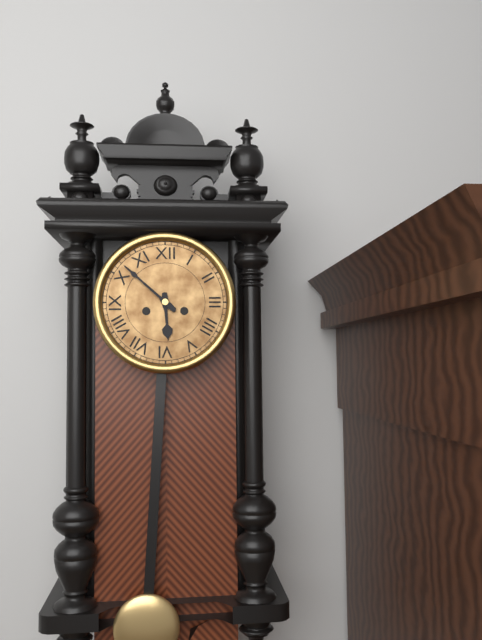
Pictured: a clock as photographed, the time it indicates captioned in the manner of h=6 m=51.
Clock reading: h=5 m=52
